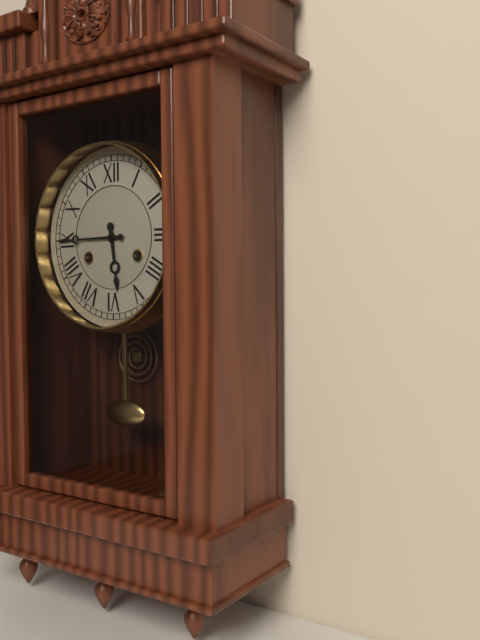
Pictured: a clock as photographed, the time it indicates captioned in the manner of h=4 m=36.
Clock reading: h=5 m=45
